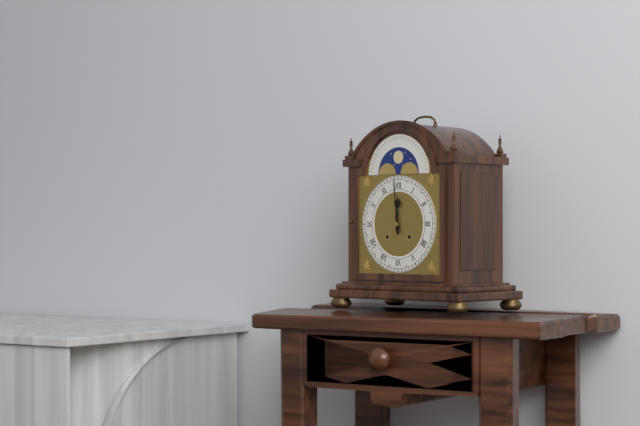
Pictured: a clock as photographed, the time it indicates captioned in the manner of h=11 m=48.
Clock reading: h=11 m=59
